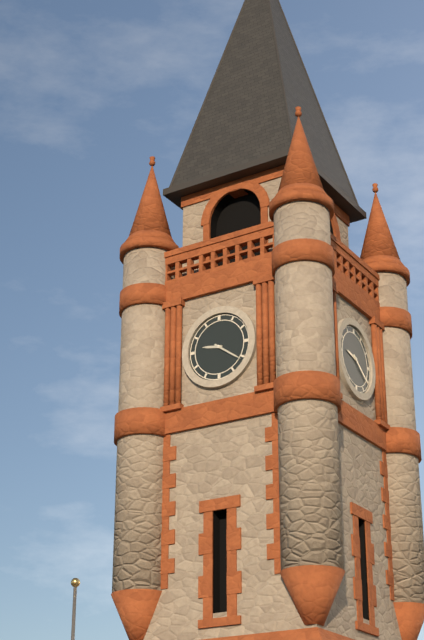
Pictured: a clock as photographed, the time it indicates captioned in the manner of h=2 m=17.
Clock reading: h=9 m=21
